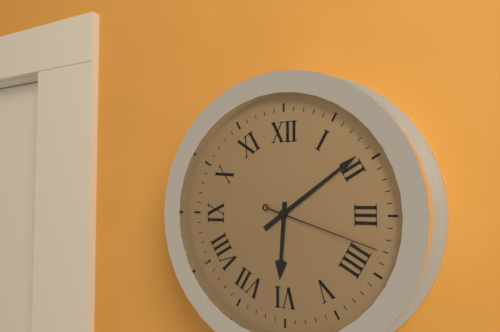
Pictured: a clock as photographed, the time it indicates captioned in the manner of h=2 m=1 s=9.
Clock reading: h=6 m=9 s=18
